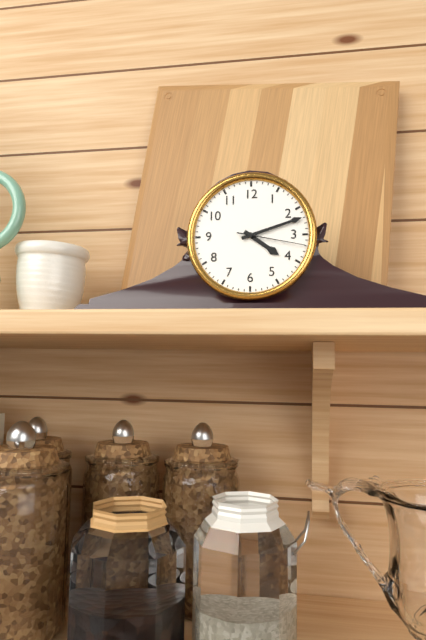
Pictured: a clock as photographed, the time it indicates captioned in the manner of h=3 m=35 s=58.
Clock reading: h=4 m=12 s=17
